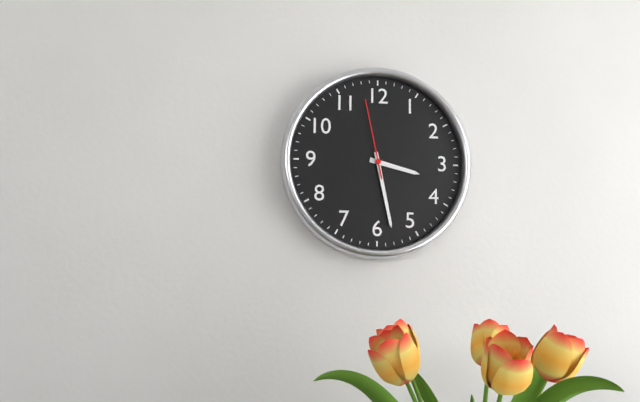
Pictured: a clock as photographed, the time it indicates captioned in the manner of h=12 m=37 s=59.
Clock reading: h=3 m=28 s=58
